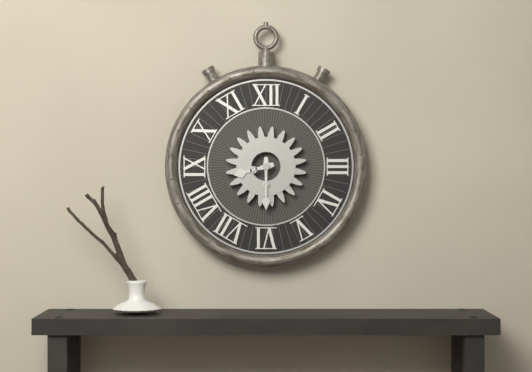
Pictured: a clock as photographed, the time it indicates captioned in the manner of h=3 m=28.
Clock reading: h=8 m=30
